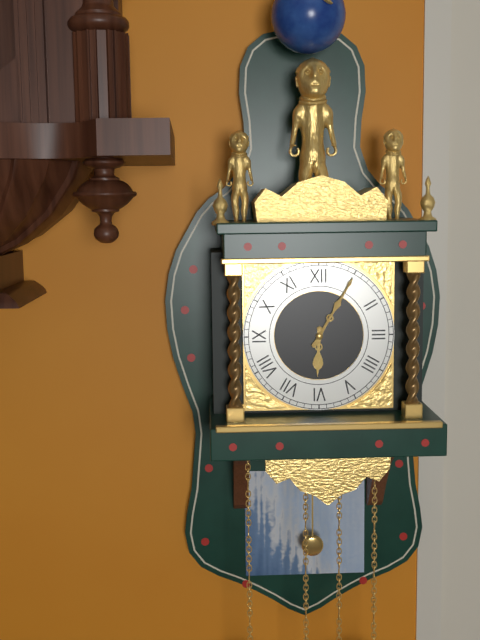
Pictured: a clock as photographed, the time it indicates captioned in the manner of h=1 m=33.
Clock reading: h=6 m=5
